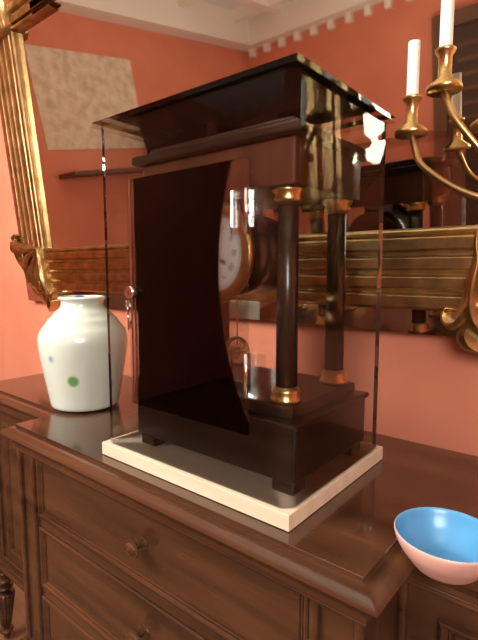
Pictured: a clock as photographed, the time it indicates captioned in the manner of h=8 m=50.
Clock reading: h=4 m=4
